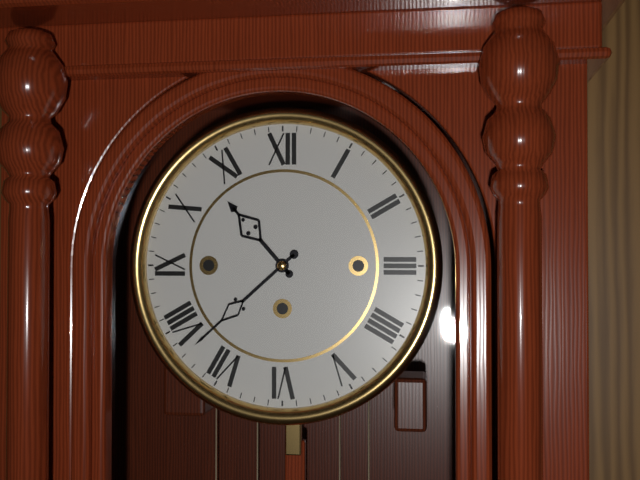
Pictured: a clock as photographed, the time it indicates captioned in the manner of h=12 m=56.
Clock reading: h=10 m=38
